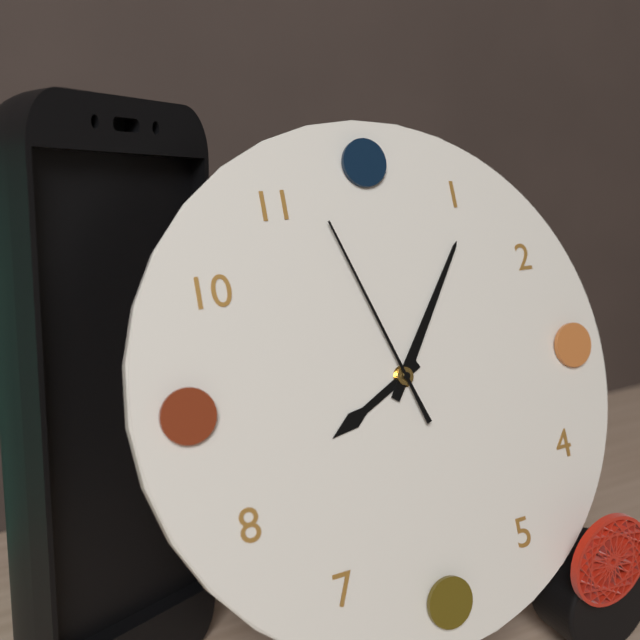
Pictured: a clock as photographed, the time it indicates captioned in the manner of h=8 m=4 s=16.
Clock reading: h=8 m=6 s=57
